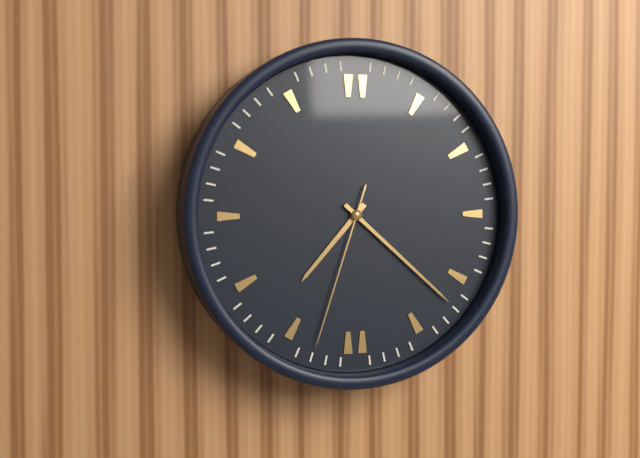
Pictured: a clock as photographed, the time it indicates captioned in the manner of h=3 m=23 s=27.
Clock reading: h=7 m=22 s=33
